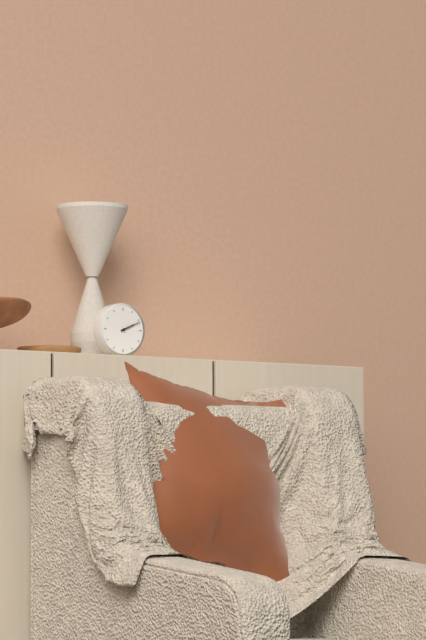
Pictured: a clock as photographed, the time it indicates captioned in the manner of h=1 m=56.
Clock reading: h=2 m=11
